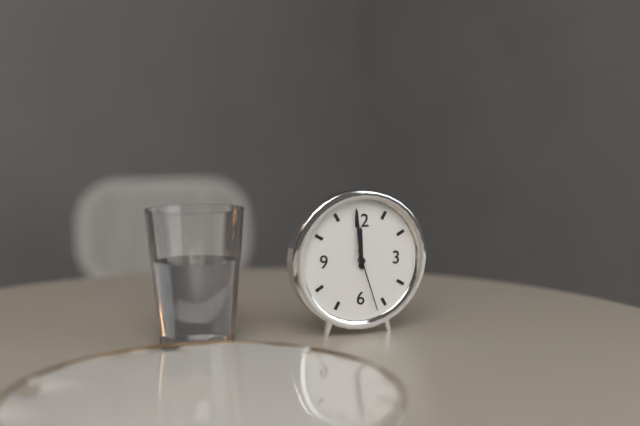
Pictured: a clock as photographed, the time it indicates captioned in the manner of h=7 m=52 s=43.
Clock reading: h=11 m=59 s=27
